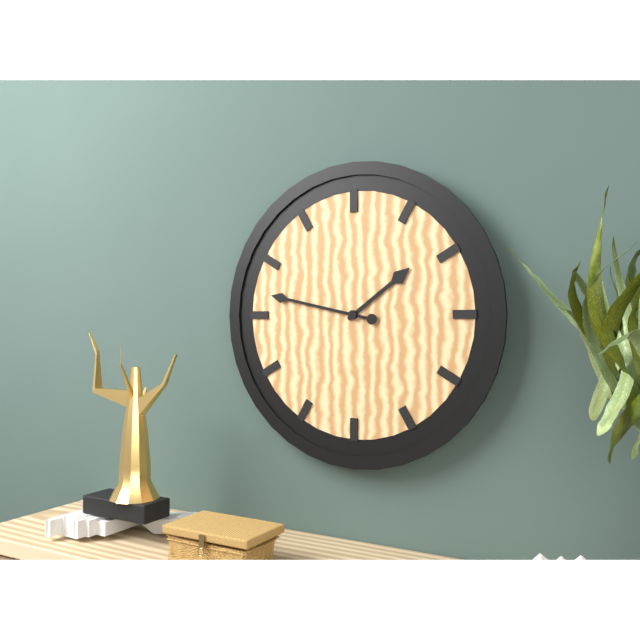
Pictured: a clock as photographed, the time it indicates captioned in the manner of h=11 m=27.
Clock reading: h=1 m=47
